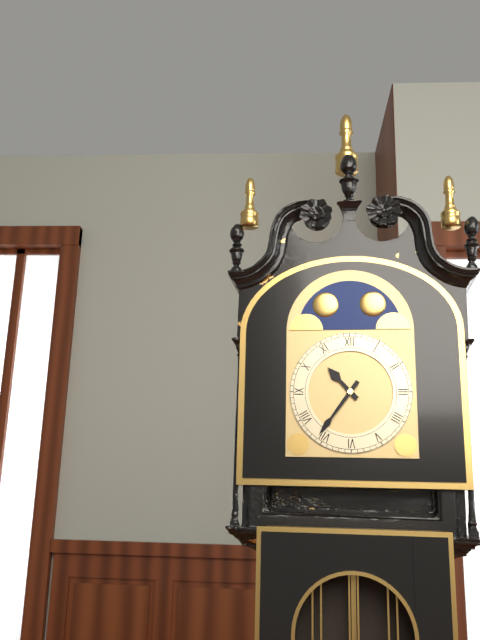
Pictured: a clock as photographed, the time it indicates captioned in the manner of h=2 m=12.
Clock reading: h=10 m=36
